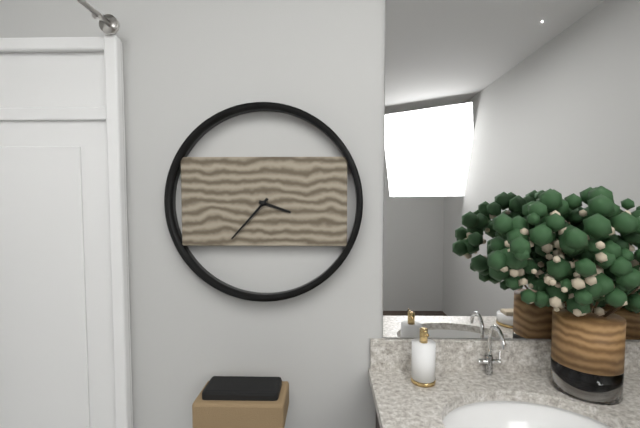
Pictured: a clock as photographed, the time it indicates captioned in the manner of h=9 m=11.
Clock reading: h=3 m=37
